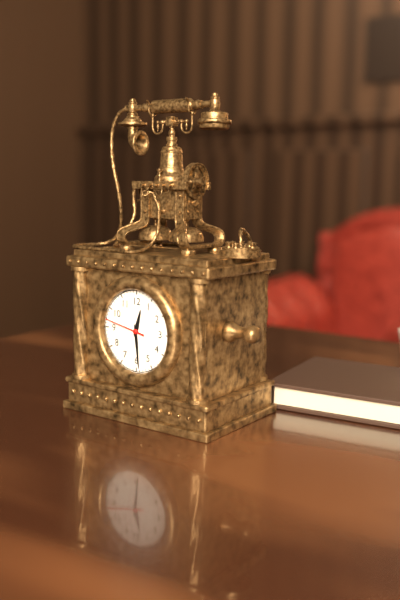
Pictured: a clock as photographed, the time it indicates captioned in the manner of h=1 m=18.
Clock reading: h=12 m=29
